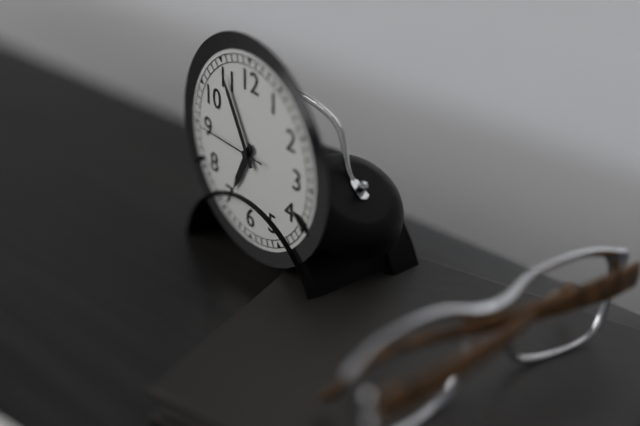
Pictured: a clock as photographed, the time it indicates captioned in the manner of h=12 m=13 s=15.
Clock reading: h=6 m=55 s=45
